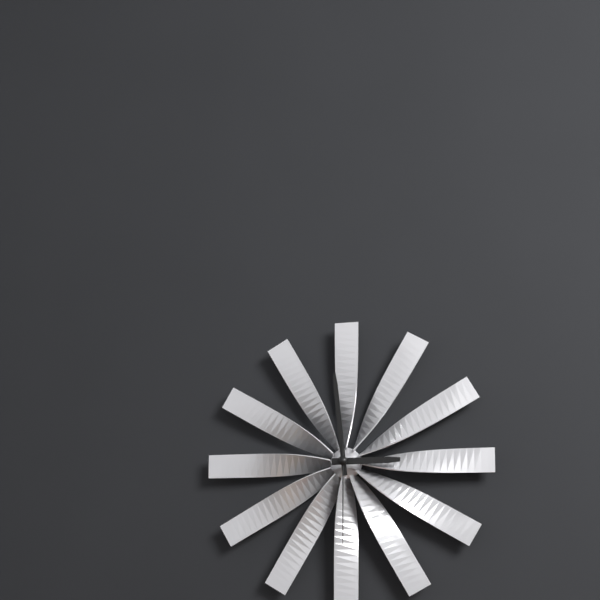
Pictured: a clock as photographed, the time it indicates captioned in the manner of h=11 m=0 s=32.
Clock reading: h=2 m=59 s=30
